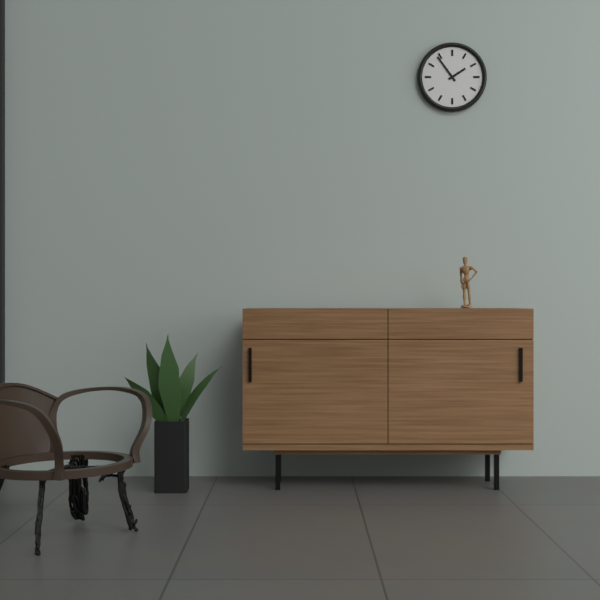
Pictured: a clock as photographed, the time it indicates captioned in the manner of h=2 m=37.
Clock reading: h=1 m=54
